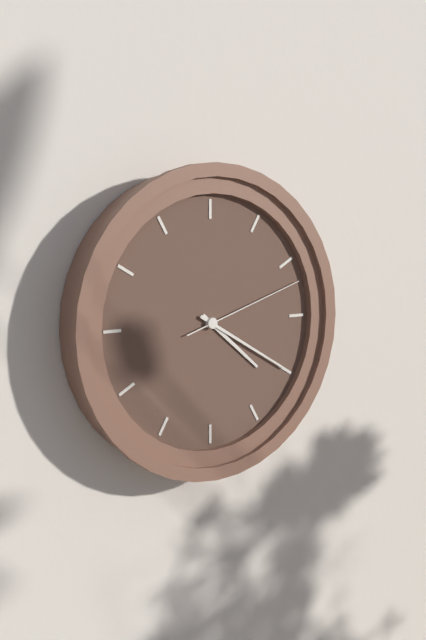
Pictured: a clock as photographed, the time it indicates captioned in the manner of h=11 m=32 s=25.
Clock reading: h=4 m=20 s=12
